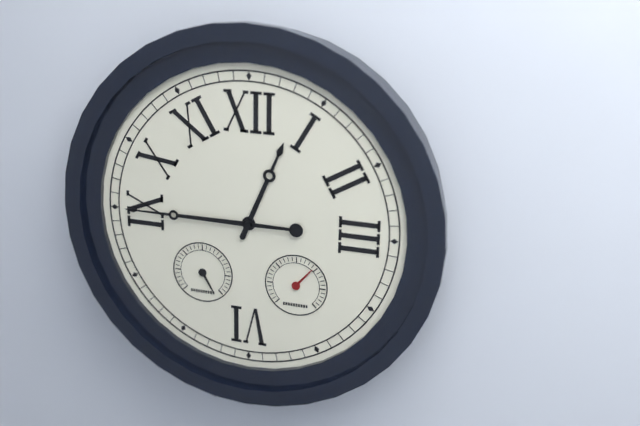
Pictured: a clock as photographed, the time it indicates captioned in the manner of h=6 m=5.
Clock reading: h=12 m=45
